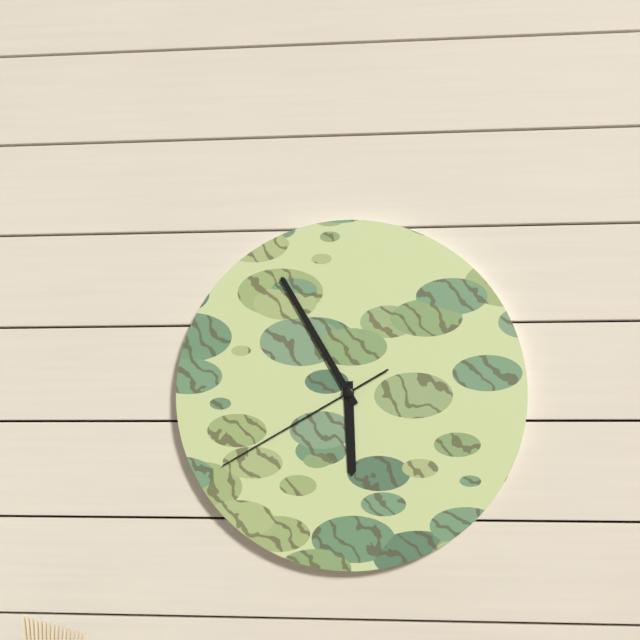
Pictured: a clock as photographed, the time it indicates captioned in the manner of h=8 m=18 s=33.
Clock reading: h=5 m=55 s=40
